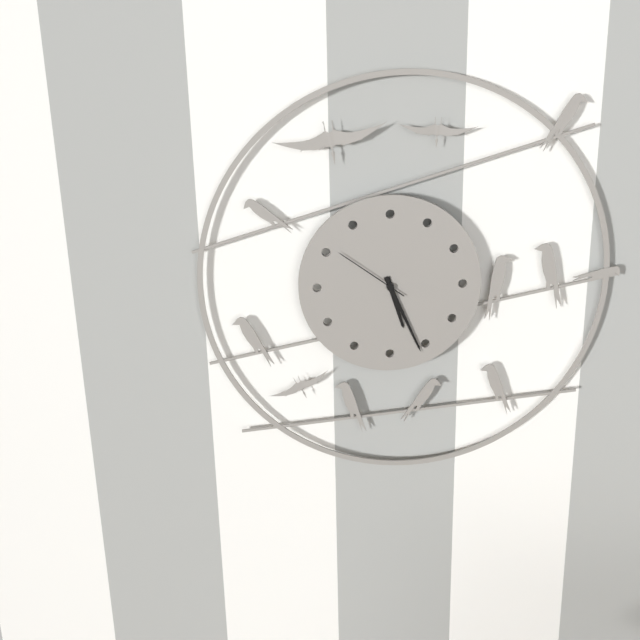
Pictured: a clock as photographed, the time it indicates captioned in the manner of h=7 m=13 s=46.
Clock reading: h=5 m=26 s=51
